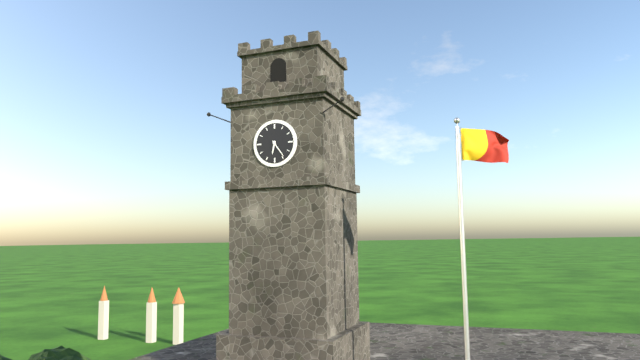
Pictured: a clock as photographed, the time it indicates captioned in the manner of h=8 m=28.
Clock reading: h=6 m=24
